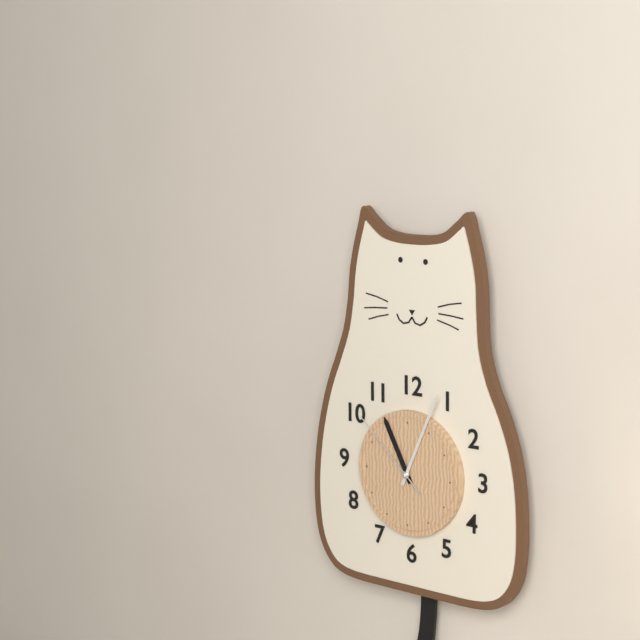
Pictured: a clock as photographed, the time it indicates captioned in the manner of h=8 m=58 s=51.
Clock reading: h=11 m=4 s=52
